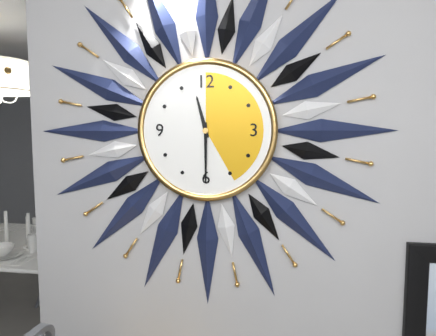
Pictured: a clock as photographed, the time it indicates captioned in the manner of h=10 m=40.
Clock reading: h=11 m=30
